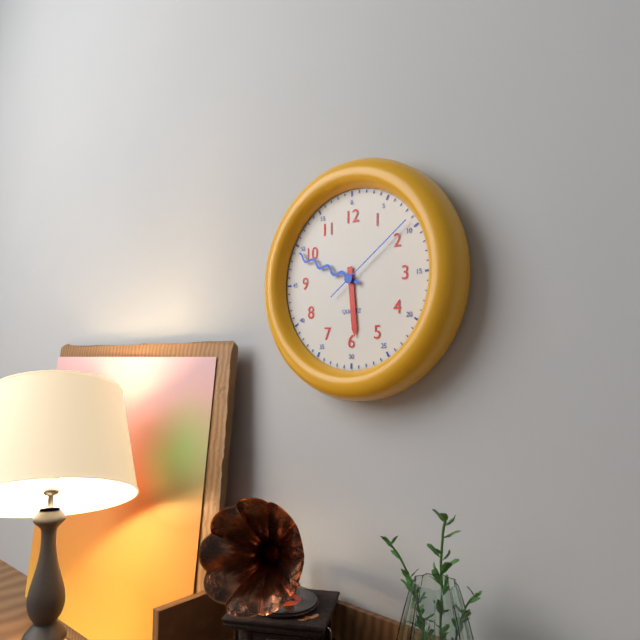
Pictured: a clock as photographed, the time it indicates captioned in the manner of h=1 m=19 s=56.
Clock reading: h=5 m=49 s=9
